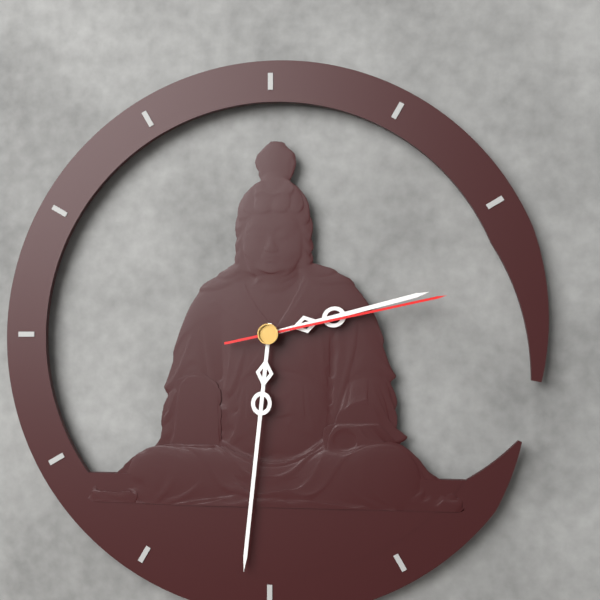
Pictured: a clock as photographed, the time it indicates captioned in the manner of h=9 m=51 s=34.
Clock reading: h=2 m=31 s=13
